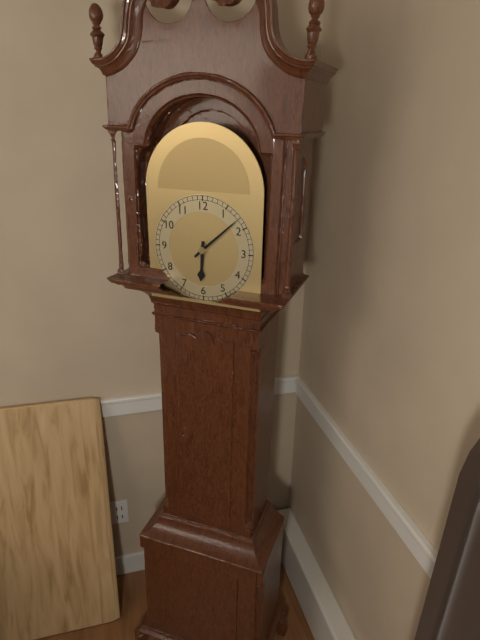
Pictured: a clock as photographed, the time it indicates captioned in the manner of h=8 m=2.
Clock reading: h=6 m=8
